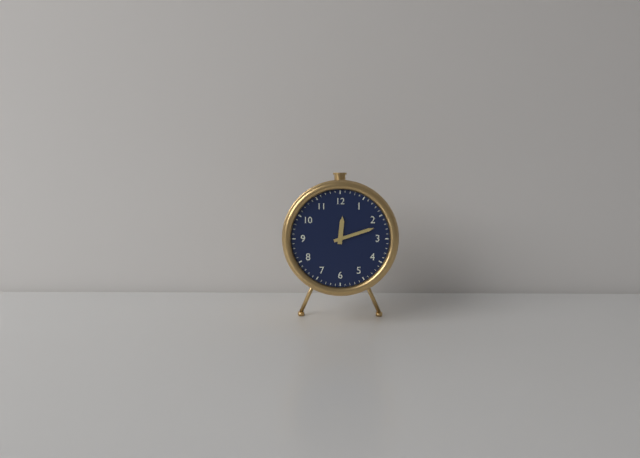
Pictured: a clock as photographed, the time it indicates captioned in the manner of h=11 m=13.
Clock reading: h=12 m=12
